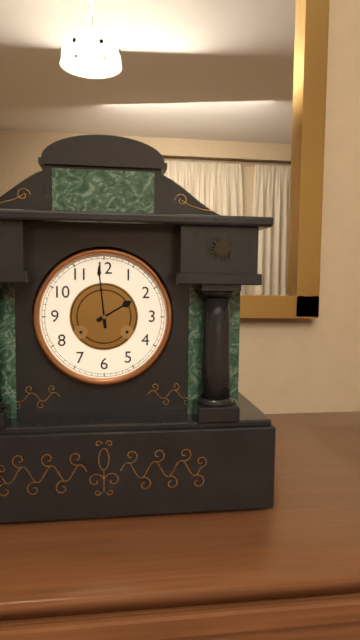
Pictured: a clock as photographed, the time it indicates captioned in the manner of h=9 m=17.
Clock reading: h=1 m=59
